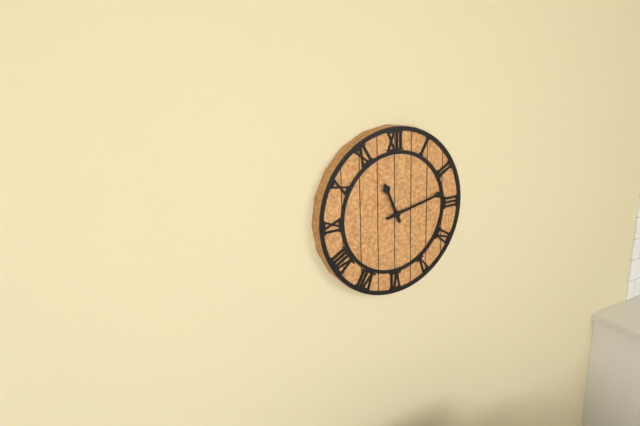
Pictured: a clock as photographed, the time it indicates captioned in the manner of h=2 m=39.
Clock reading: h=11 m=13
